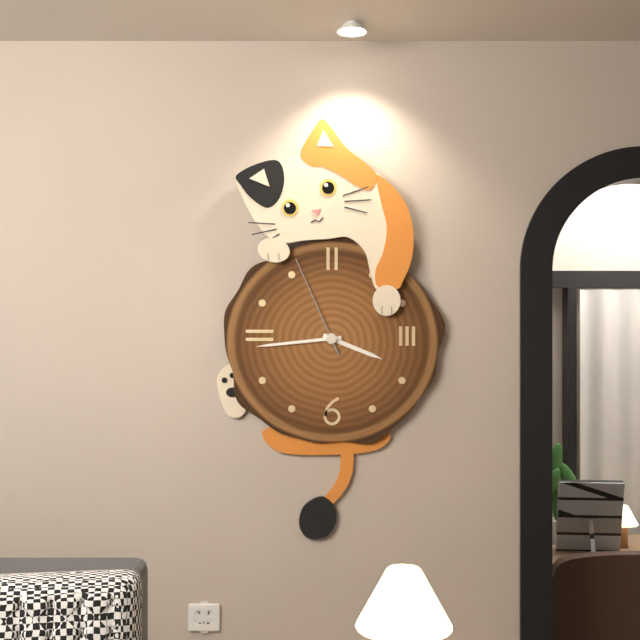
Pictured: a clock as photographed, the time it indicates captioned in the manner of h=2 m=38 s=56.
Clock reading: h=3 m=44 s=56
